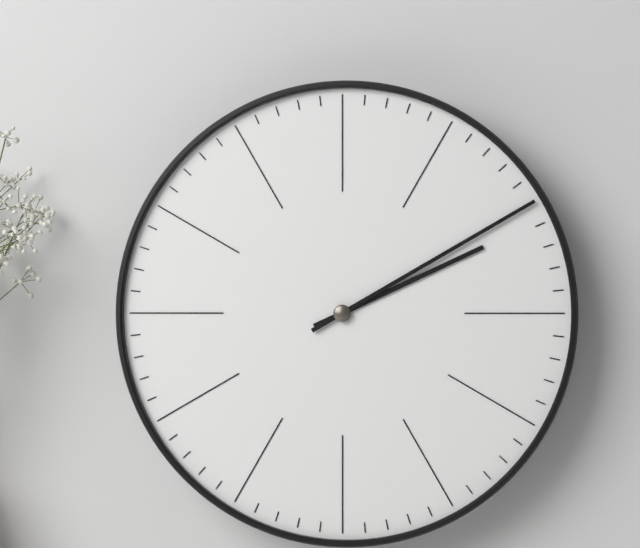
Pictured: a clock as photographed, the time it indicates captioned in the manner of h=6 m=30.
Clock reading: h=2 m=10
